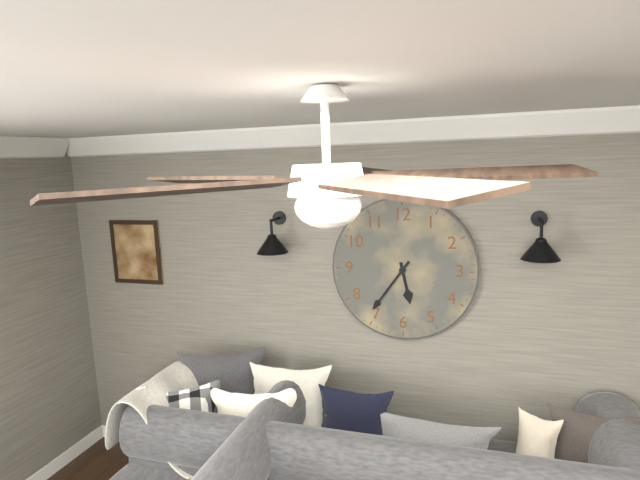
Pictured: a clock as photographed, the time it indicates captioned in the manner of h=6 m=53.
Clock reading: h=5 m=36
